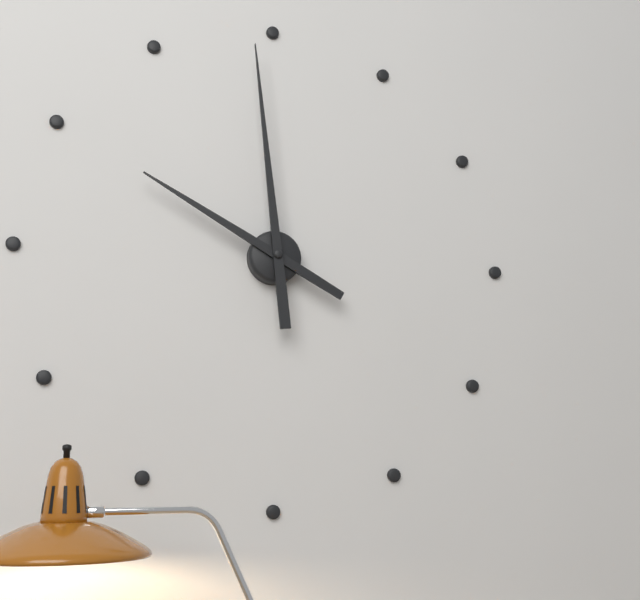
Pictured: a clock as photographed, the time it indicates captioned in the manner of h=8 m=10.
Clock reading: h=9 m=59
